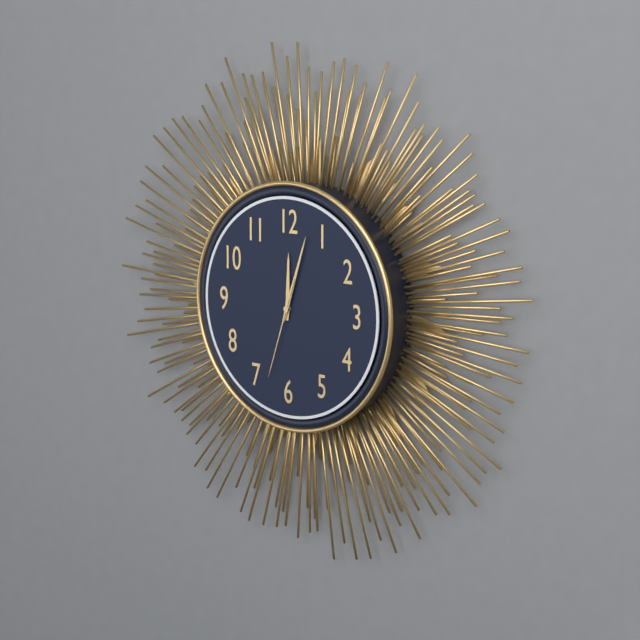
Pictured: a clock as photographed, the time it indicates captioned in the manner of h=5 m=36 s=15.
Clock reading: h=12 m=3 s=33
